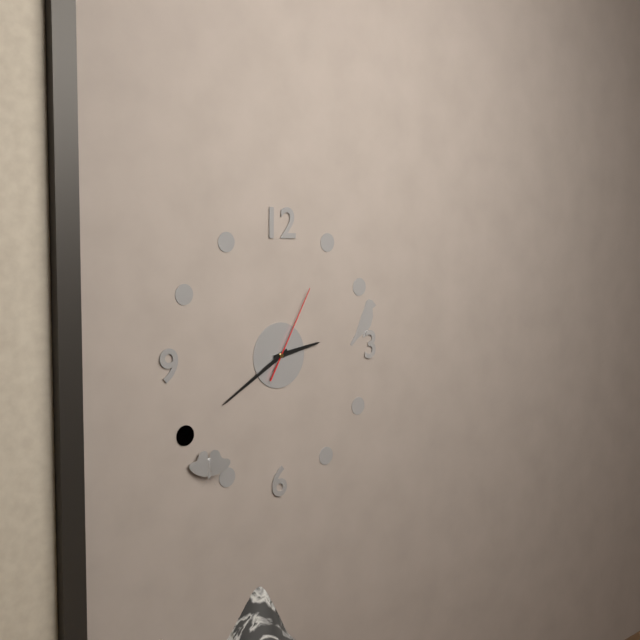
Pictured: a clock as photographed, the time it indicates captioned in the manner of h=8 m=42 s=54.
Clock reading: h=2 m=40 s=5
